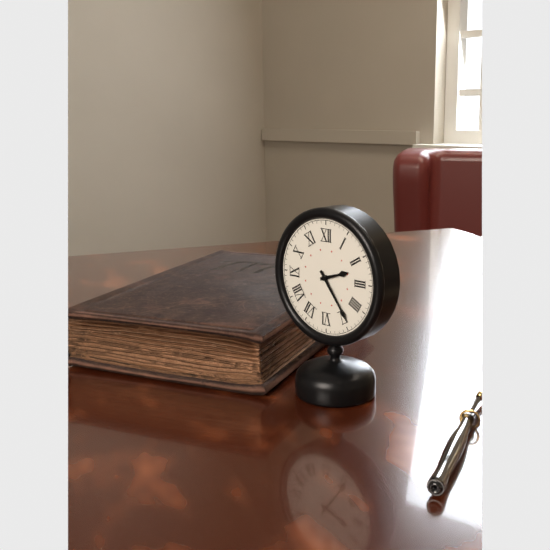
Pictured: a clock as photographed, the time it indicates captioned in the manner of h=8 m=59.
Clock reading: h=2 m=24
